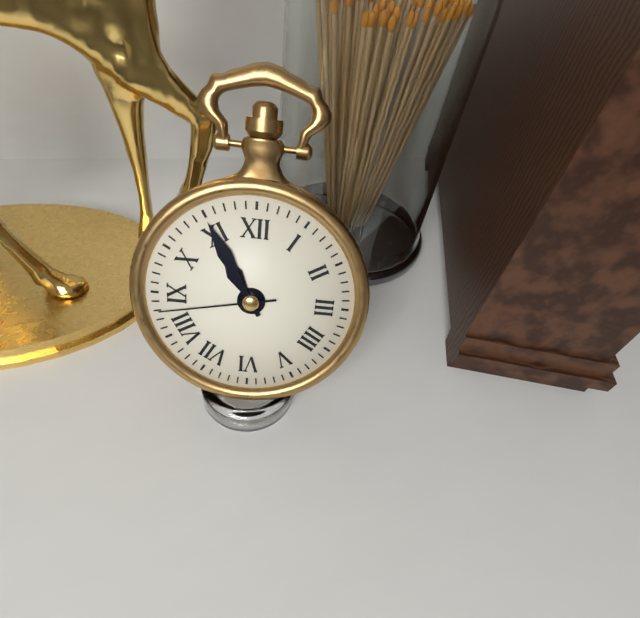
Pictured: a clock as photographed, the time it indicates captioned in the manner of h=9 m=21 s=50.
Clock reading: h=10 m=55 s=43
